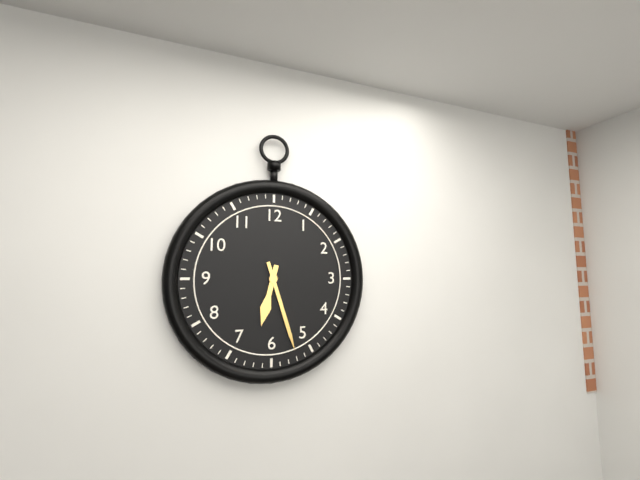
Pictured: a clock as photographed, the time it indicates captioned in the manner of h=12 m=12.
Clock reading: h=6 m=27
